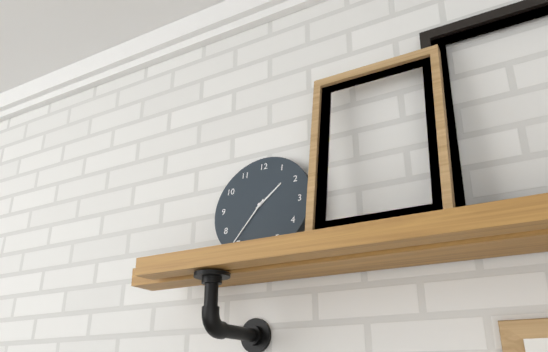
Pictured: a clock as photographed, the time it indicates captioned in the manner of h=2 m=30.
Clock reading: h=1 m=36
